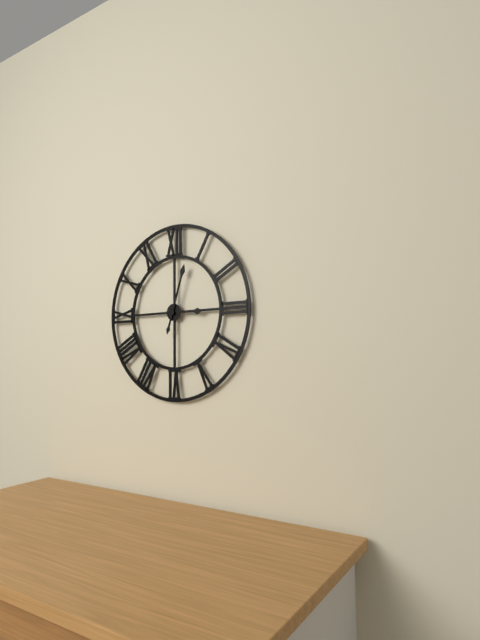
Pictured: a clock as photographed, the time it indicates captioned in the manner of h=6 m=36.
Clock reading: h=3 m=3
